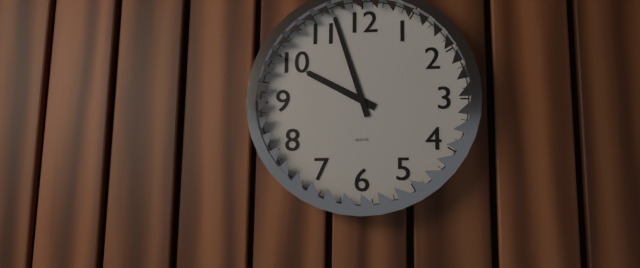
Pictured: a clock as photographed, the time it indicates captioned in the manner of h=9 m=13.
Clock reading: h=9 m=57
